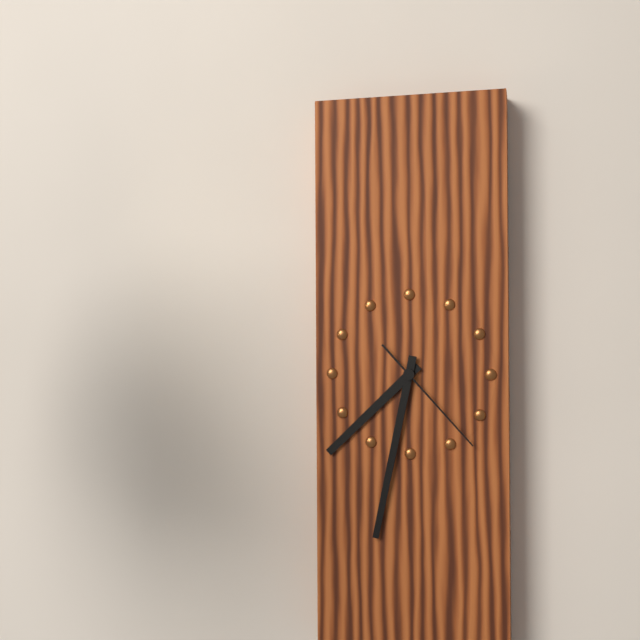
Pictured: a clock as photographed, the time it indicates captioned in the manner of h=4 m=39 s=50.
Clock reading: h=7 m=32 s=23
